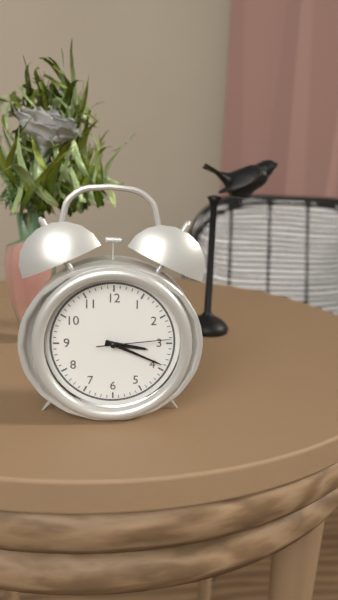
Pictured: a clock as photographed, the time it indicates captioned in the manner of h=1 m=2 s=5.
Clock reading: h=3 m=19 s=14
